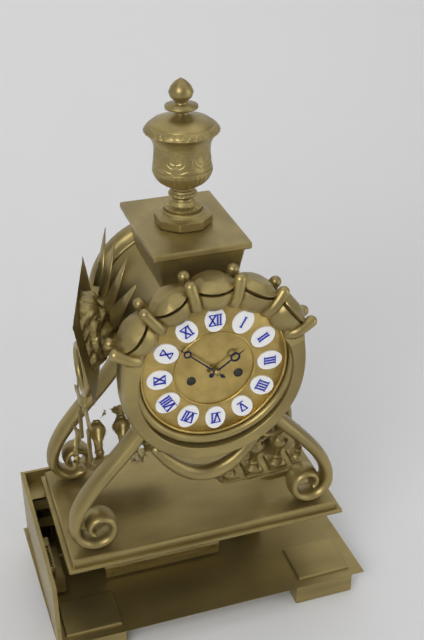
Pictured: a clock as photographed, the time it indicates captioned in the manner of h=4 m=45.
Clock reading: h=1 m=52
